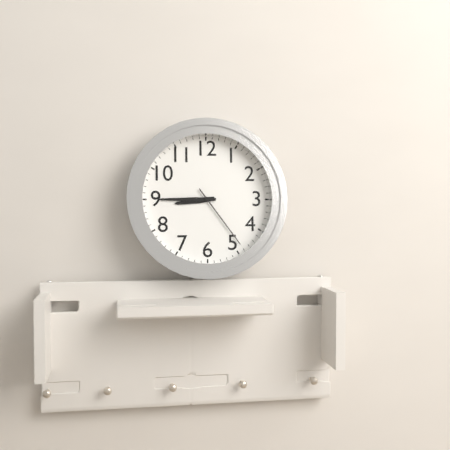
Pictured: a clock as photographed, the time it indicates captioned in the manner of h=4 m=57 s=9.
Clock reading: h=8 m=45 s=24
